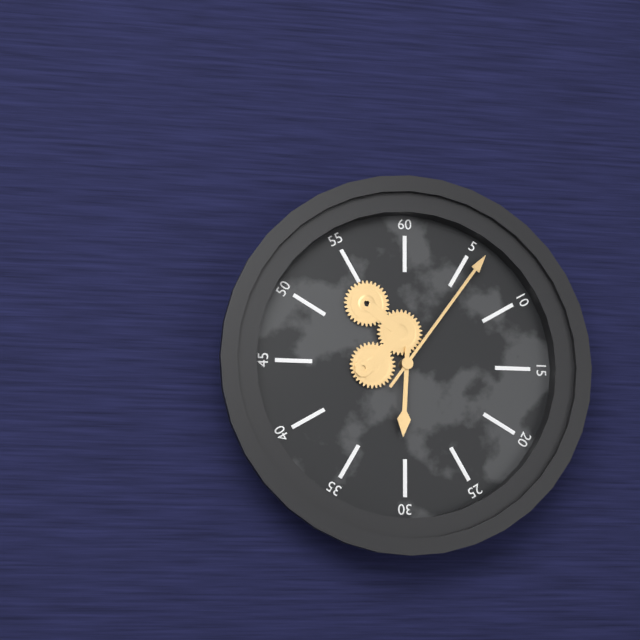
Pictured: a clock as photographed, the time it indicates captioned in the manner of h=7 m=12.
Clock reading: h=6 m=6
